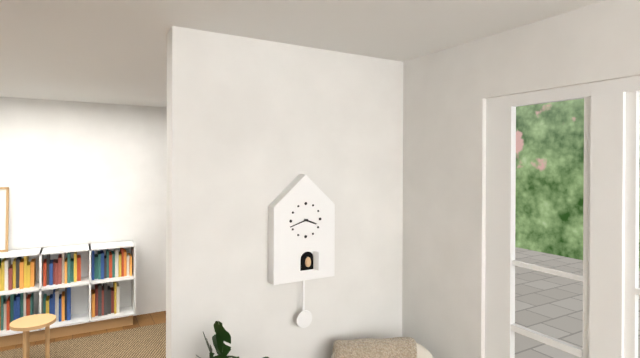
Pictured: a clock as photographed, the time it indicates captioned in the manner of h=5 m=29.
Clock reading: h=3 m=42
